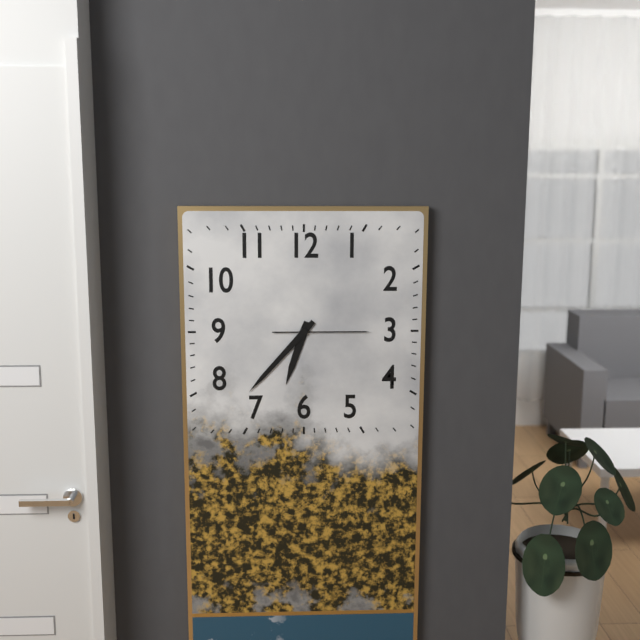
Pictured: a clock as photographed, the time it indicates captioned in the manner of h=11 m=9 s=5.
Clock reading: h=6 m=37 s=15
